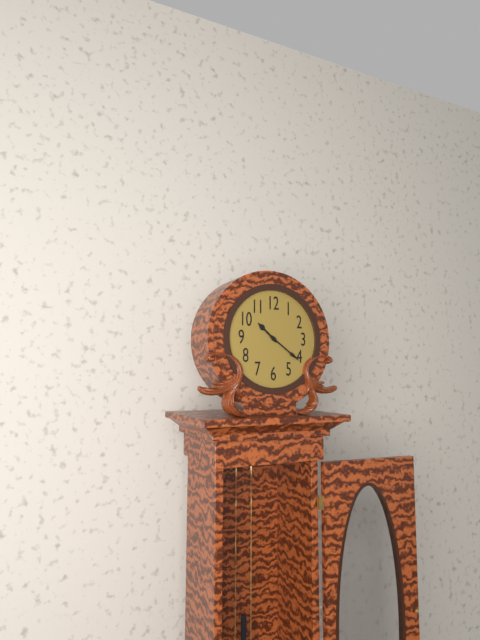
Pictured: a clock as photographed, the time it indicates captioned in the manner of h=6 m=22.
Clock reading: h=10 m=21
